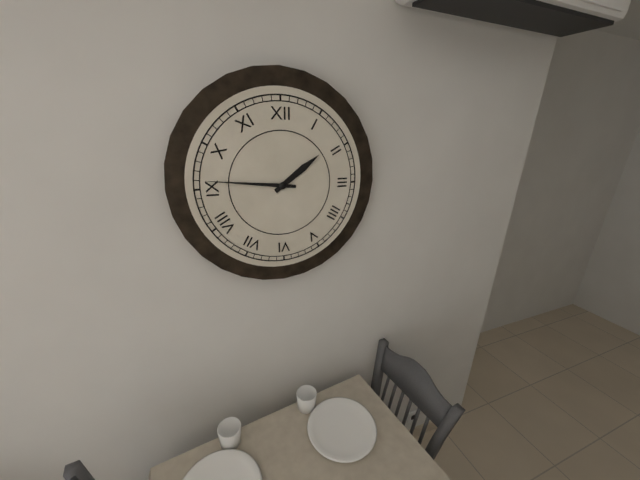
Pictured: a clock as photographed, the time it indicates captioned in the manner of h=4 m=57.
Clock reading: h=1 m=46
